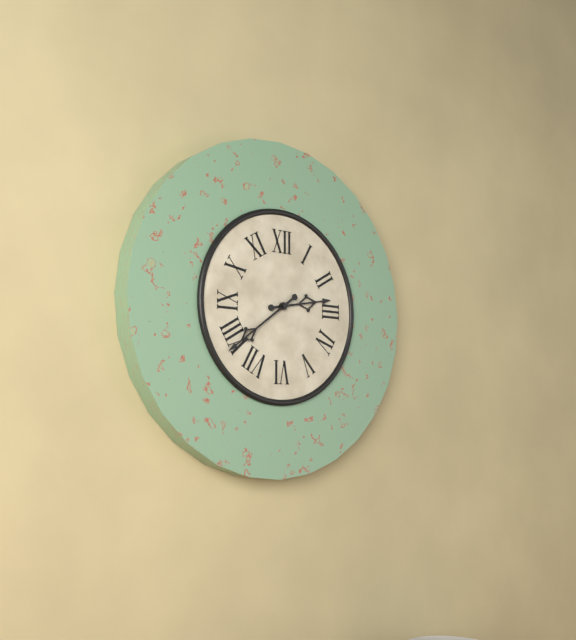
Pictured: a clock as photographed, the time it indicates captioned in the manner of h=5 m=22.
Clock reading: h=2 m=39
